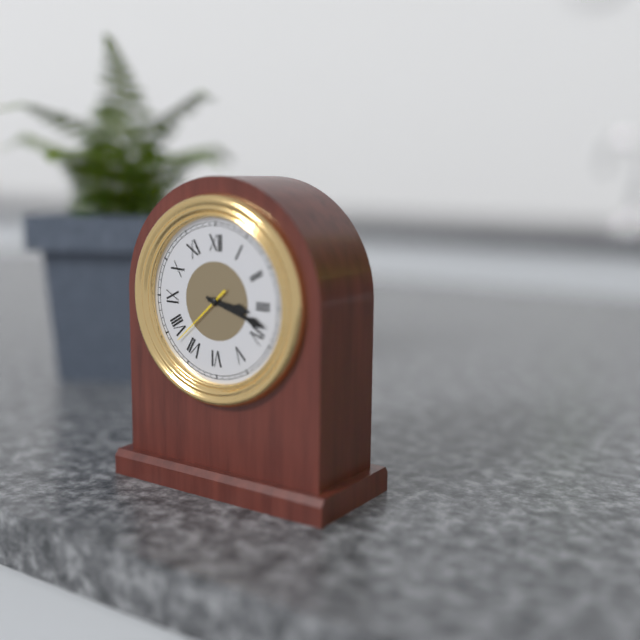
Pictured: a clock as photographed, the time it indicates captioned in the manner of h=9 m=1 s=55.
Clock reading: h=3 m=18 s=38
